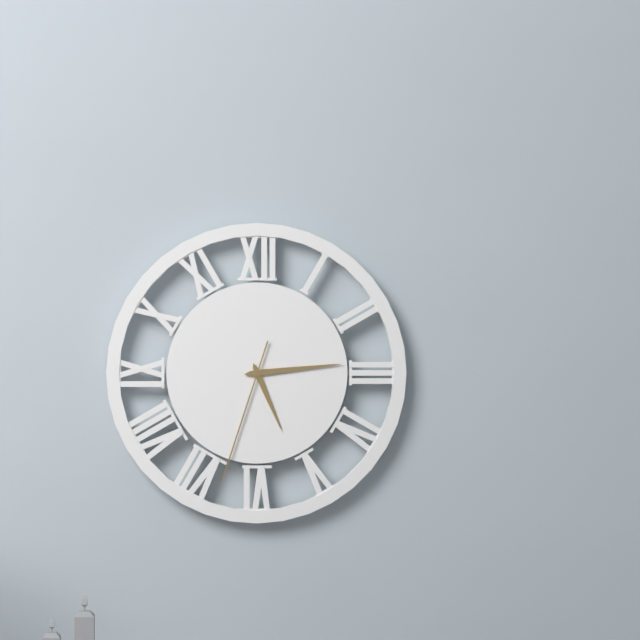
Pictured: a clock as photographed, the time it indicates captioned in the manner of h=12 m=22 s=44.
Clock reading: h=5 m=14 s=33
